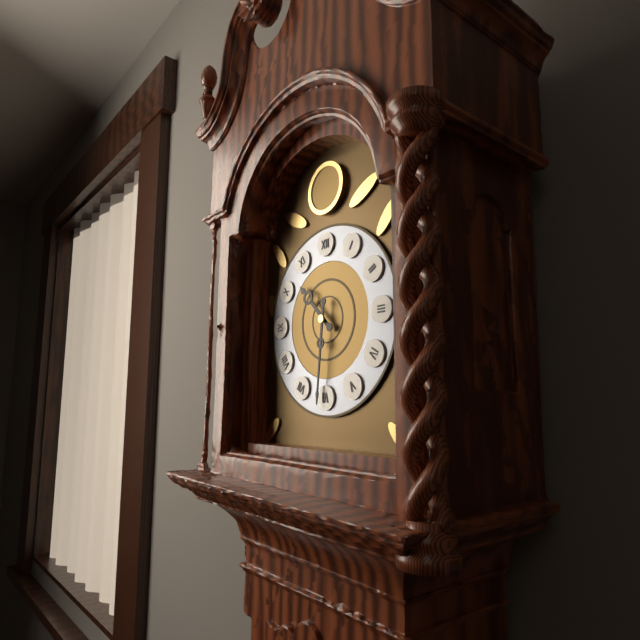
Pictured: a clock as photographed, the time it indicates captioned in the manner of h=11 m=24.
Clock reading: h=10 m=31
